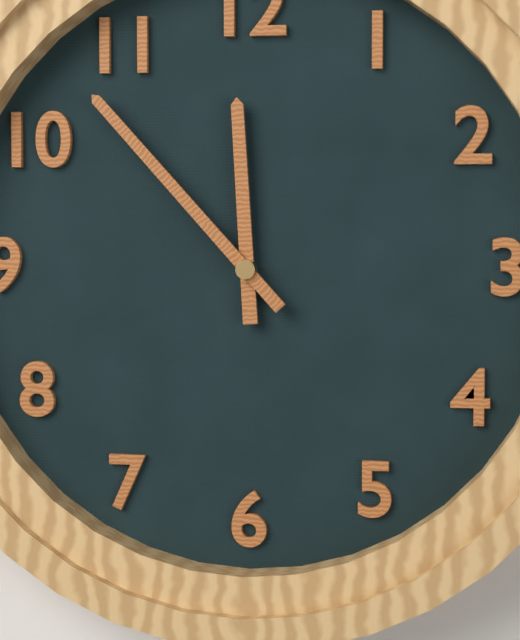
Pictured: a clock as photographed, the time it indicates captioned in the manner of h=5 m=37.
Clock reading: h=11 m=53
